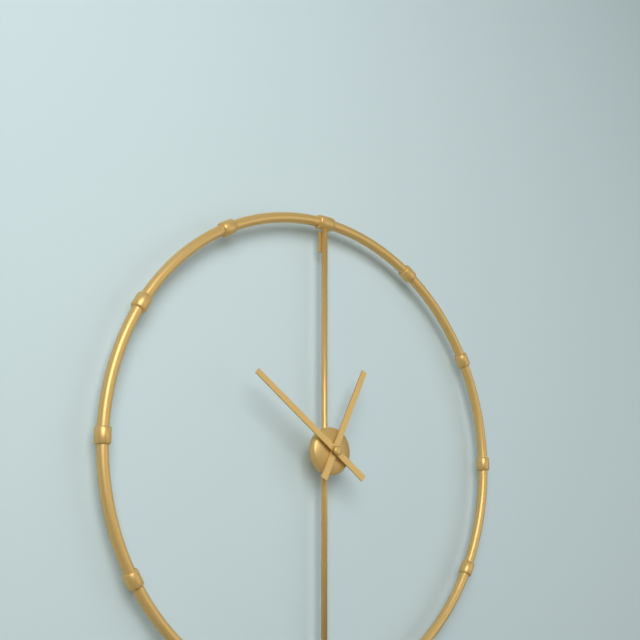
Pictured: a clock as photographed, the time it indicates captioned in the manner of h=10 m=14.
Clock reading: h=12 m=51
